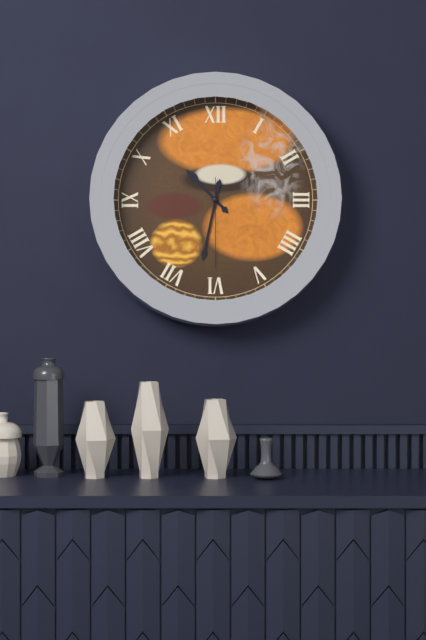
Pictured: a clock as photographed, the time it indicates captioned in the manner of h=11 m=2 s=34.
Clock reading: h=10 m=32 s=30
